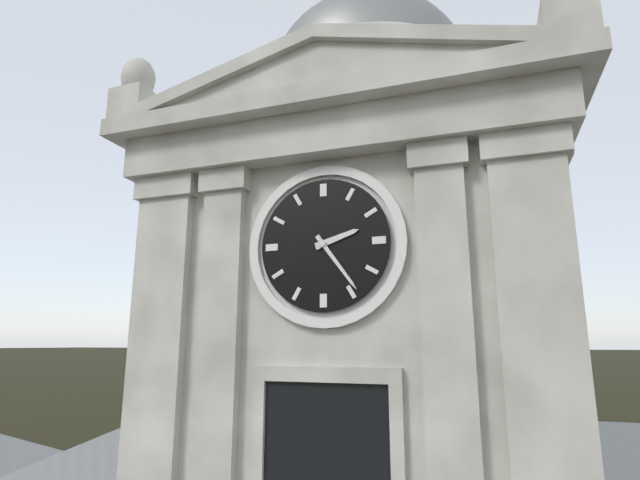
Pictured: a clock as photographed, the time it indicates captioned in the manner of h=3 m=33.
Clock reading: h=2 m=24
